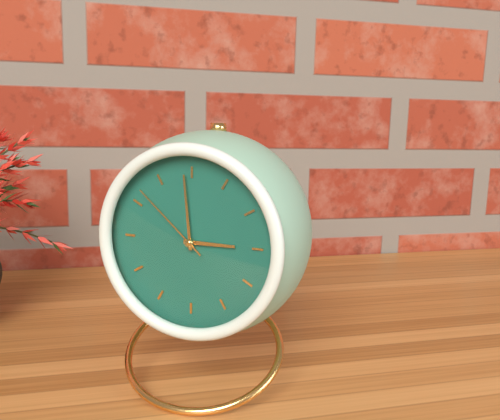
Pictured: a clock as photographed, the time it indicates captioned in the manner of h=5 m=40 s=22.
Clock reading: h=2 m=59 s=52
